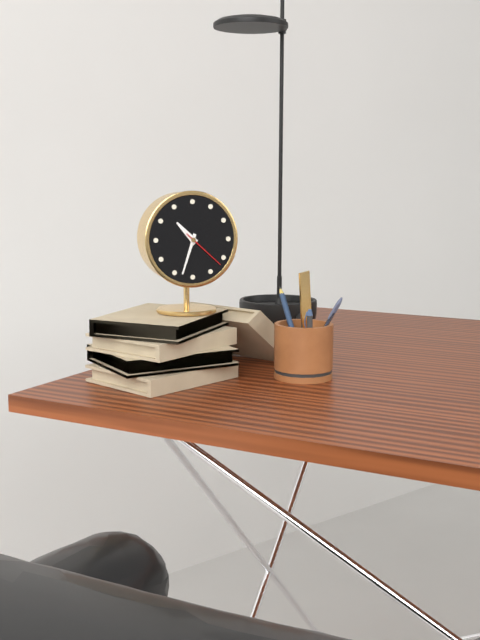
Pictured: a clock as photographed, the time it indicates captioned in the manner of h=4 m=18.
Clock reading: h=10 m=33
